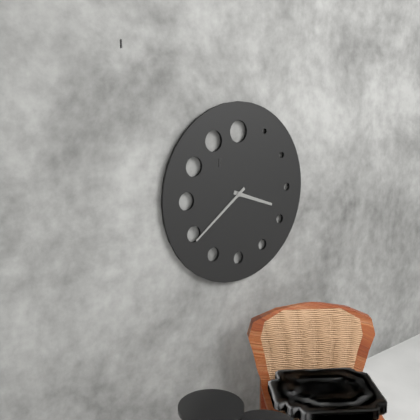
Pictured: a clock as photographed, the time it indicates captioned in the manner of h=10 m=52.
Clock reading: h=3 m=39
